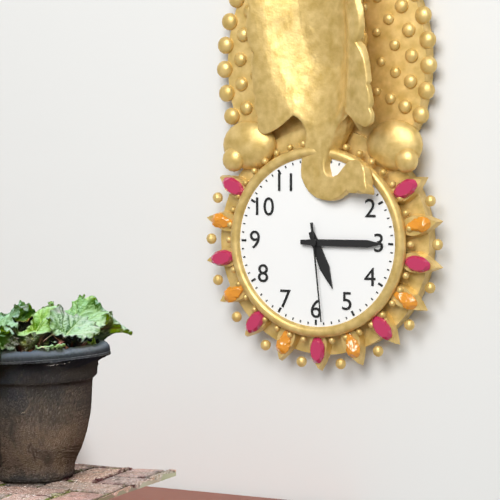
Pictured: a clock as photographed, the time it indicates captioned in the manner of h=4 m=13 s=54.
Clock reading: h=5 m=15 s=29
